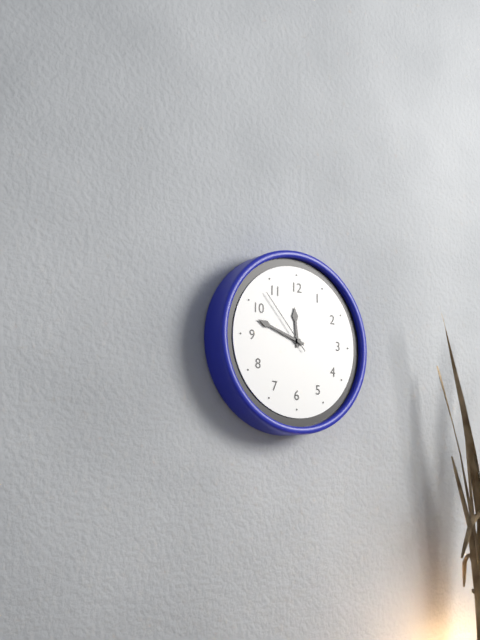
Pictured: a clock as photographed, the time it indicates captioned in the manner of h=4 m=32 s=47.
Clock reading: h=11 m=48 s=53
